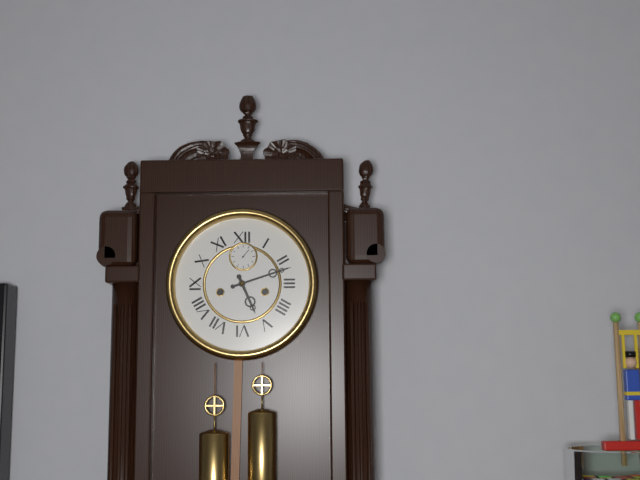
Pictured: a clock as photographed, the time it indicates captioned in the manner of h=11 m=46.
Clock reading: h=5 m=12
